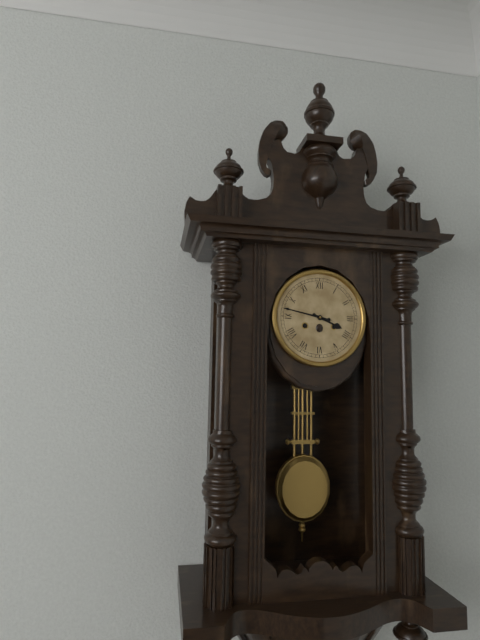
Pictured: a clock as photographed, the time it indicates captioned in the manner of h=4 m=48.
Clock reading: h=3 m=47
